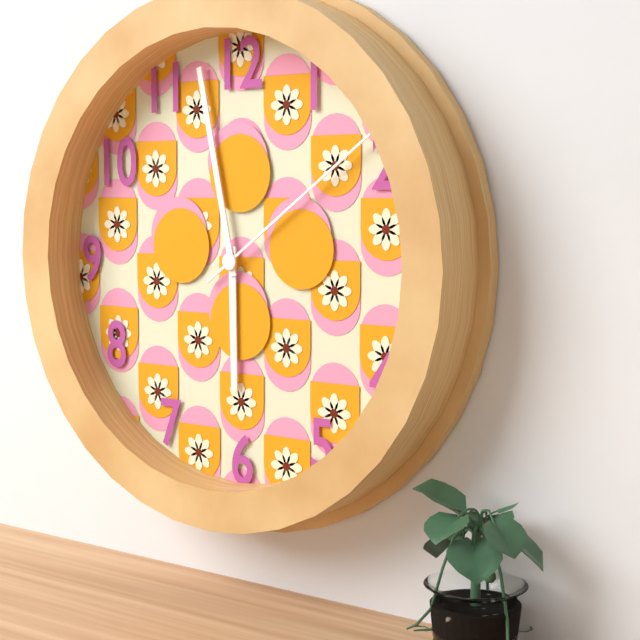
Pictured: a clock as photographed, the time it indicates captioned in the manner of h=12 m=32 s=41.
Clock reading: h=5 m=58 s=9
